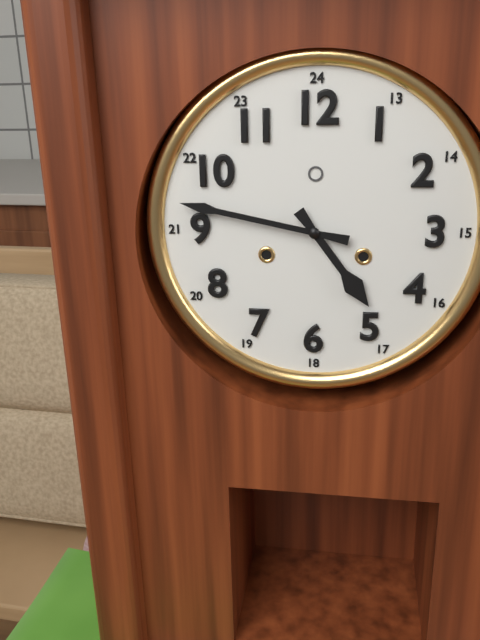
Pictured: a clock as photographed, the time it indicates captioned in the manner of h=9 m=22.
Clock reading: h=4 m=47
